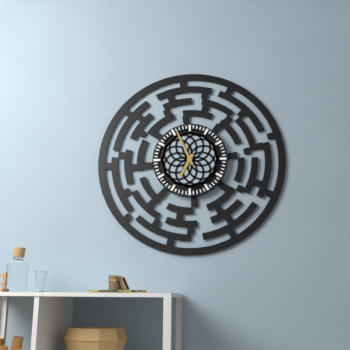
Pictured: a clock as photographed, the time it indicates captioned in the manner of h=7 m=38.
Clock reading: h=6 m=56
